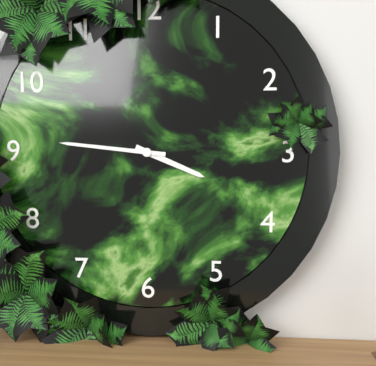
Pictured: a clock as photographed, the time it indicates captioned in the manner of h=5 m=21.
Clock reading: h=3 m=46
